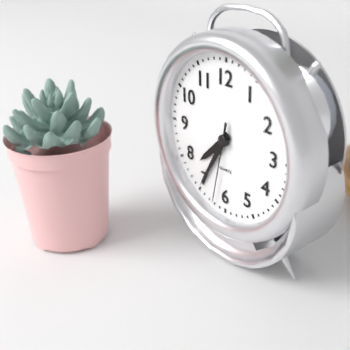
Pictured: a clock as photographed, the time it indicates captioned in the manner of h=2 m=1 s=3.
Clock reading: h=7 m=35 s=32
